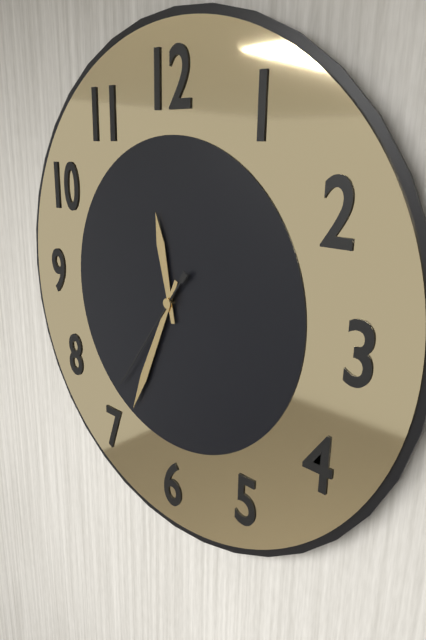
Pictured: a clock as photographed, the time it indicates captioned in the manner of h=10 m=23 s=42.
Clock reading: h=11 m=34 s=36
